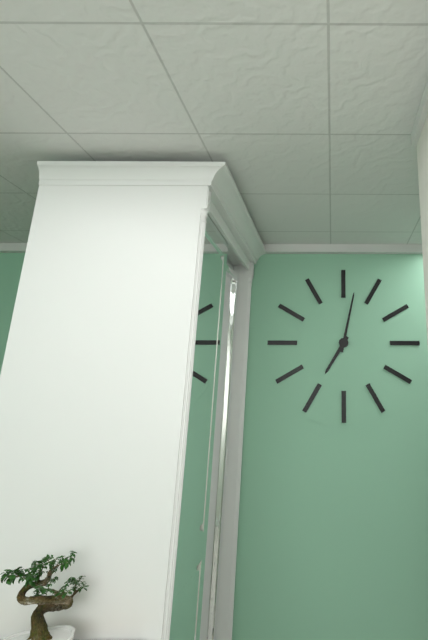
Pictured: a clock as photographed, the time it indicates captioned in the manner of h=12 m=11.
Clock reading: h=7 m=2
